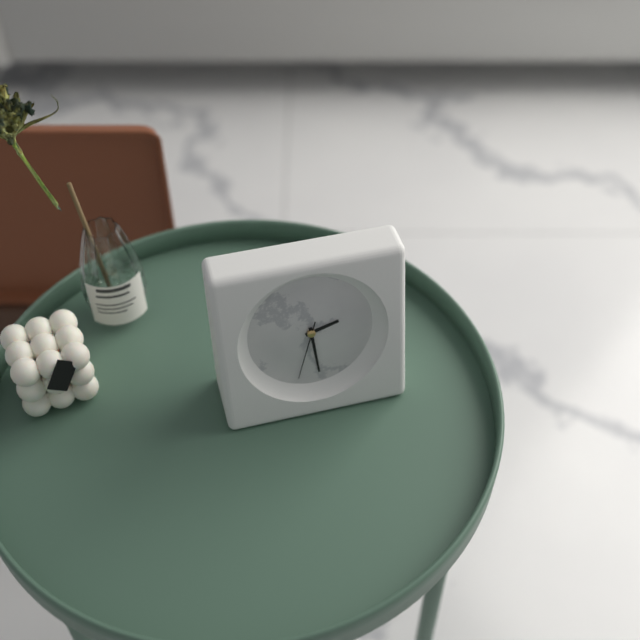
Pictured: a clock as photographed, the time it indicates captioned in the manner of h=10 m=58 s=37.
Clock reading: h=2 m=29 s=33
